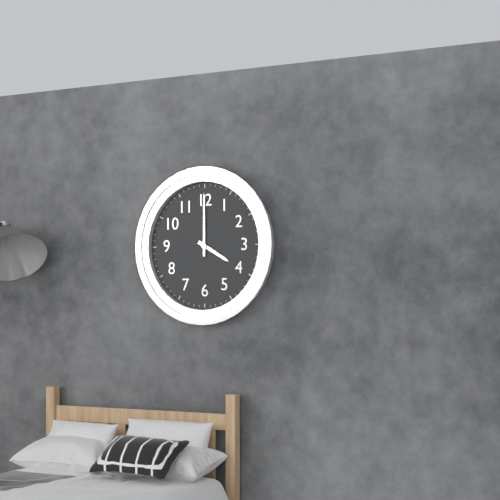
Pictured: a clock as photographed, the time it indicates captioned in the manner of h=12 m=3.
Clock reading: h=4 m=0
